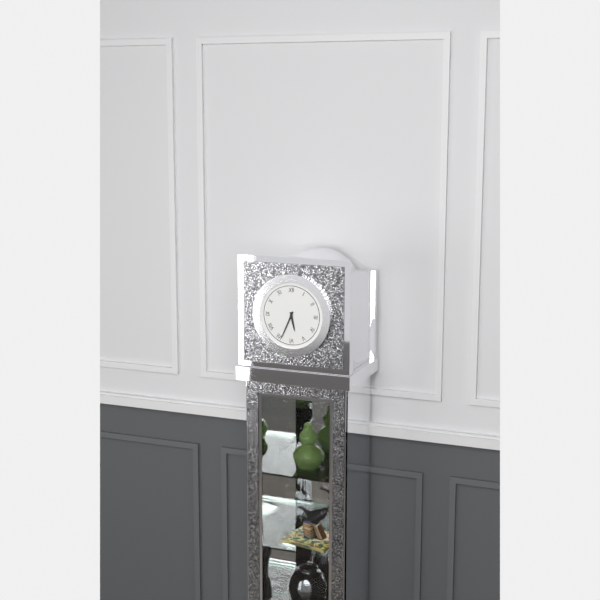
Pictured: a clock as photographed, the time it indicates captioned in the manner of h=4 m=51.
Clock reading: h=5 m=34
